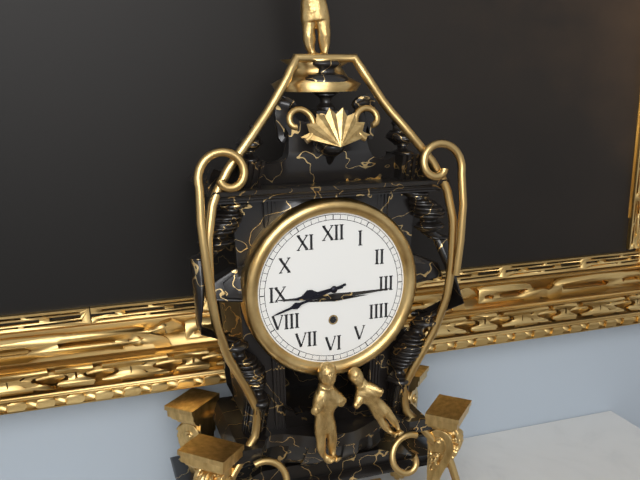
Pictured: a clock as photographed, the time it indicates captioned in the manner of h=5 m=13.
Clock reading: h=8 m=42
